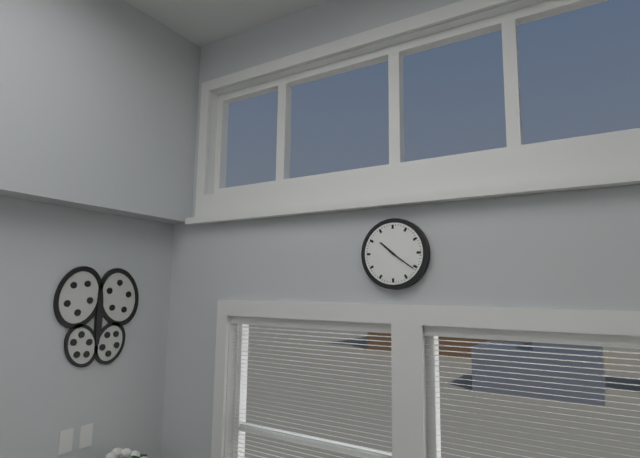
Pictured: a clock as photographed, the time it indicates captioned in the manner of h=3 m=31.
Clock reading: h=10 m=21
